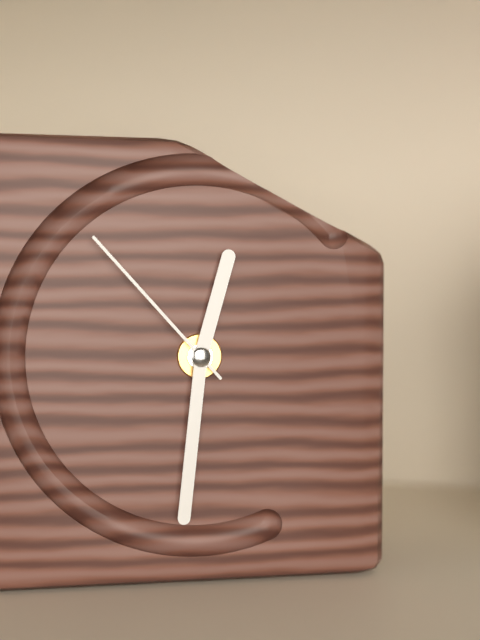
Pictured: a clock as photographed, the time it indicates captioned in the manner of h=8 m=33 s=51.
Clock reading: h=12 m=31 s=53
